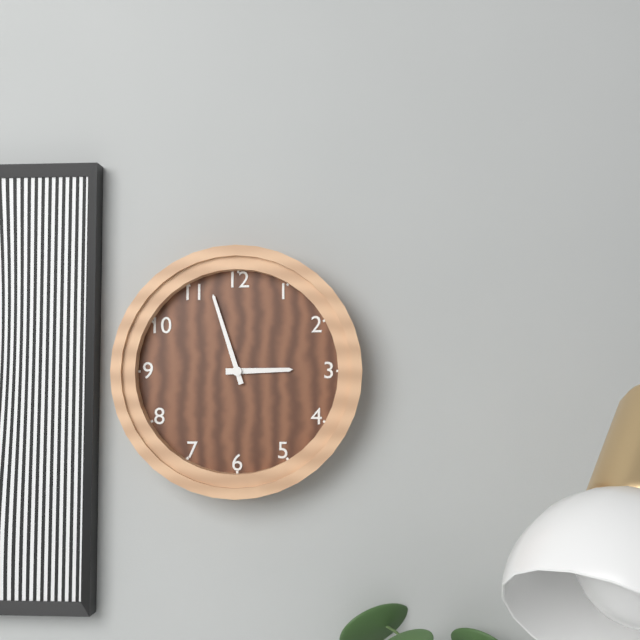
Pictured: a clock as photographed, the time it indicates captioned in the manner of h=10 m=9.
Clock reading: h=2 m=57
